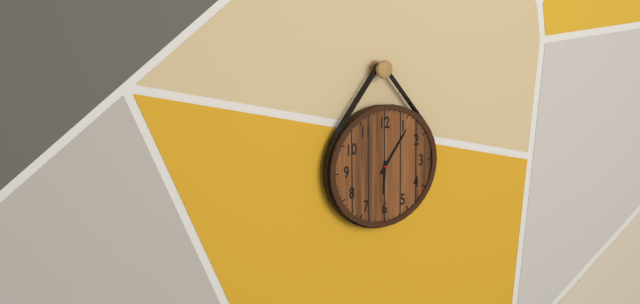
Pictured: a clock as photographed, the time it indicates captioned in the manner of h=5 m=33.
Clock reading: h=6 m=6
